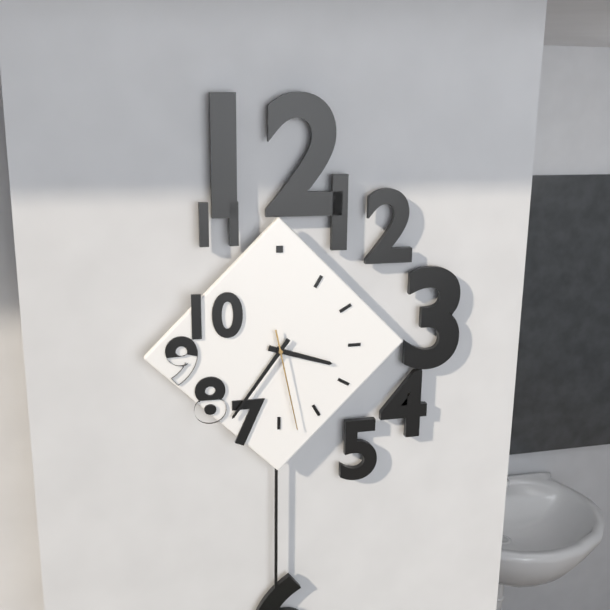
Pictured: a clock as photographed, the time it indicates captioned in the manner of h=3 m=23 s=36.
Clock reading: h=3 m=36 s=28
